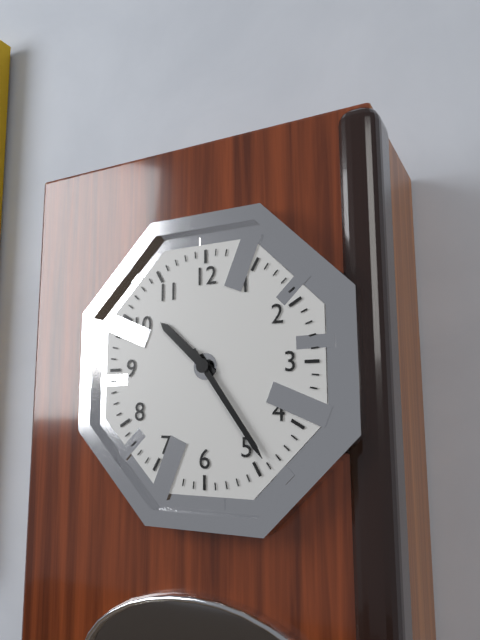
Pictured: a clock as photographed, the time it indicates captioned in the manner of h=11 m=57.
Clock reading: h=10 m=24
